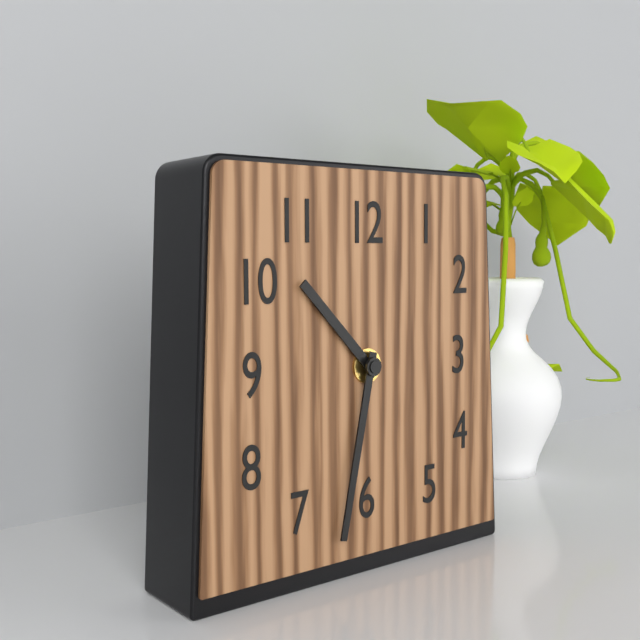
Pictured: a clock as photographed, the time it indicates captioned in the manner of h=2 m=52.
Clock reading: h=10 m=32
